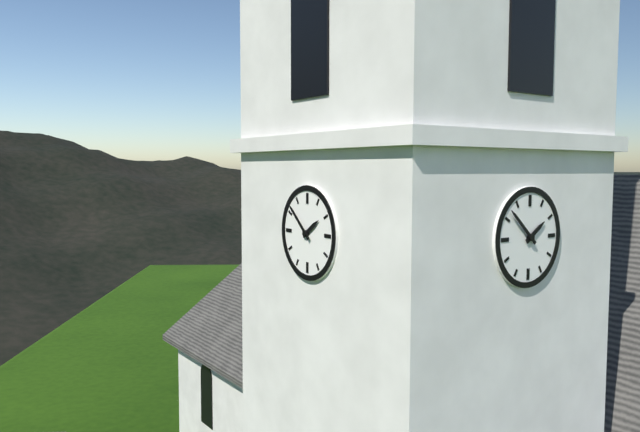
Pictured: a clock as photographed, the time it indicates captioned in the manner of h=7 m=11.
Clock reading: h=1 m=52
